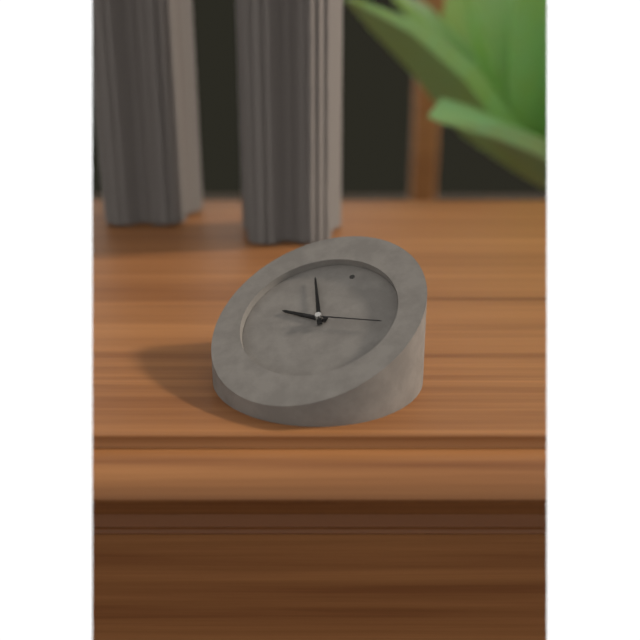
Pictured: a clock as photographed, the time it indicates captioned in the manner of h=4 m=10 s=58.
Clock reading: h=8 m=54 s=13
